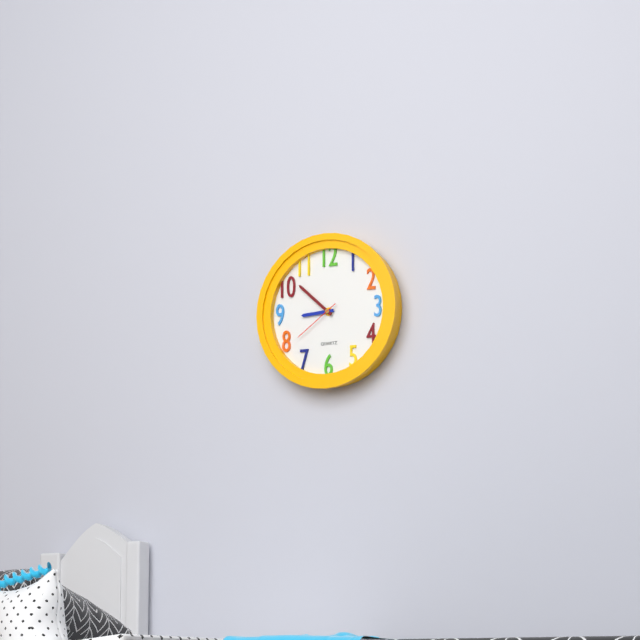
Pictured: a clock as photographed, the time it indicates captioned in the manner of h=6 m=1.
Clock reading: h=8 m=52
